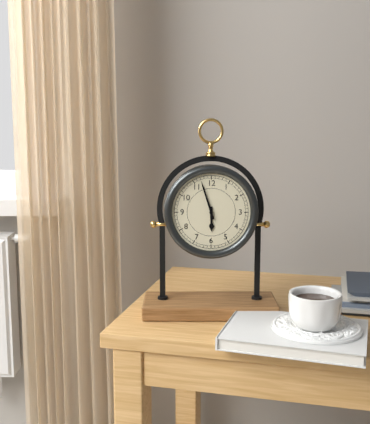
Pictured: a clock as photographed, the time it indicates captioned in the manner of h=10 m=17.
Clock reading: h=5 m=57
